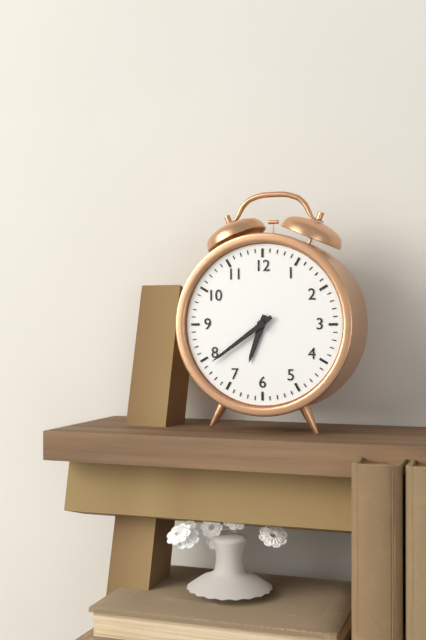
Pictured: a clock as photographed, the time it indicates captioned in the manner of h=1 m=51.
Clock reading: h=6 m=39
